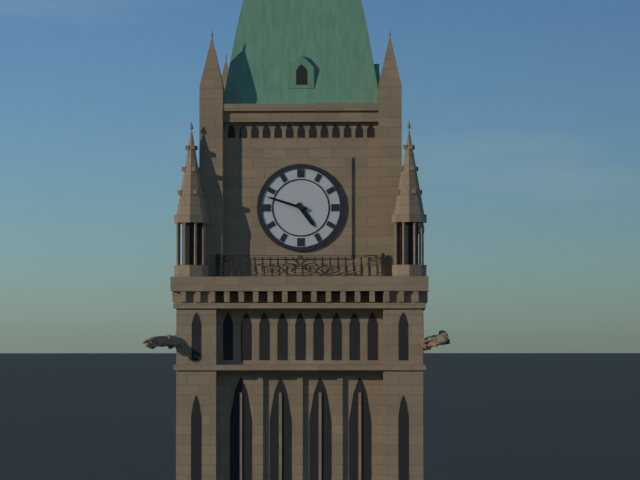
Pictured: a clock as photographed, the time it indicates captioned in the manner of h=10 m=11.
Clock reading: h=4 m=48
